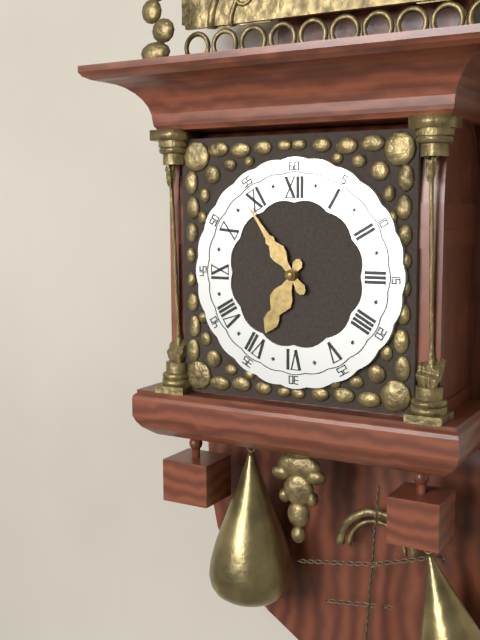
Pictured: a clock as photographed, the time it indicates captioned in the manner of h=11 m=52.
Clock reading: h=6 m=54
